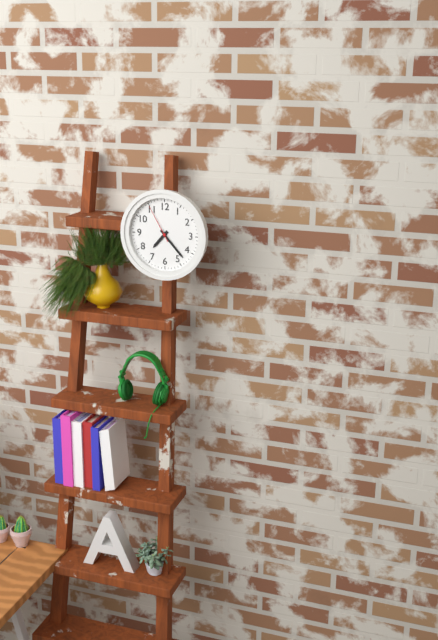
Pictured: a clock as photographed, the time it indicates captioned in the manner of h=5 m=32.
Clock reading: h=7 m=23
